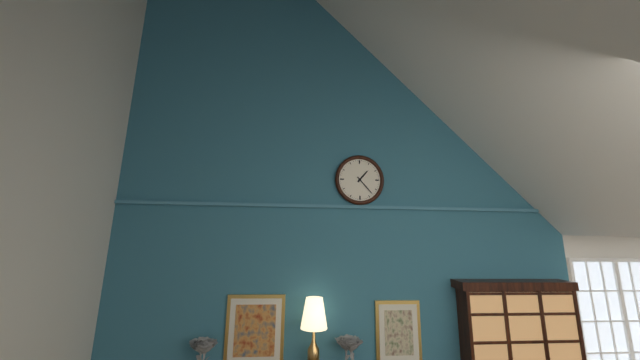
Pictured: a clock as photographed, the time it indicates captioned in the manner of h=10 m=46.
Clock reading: h=1 m=23
